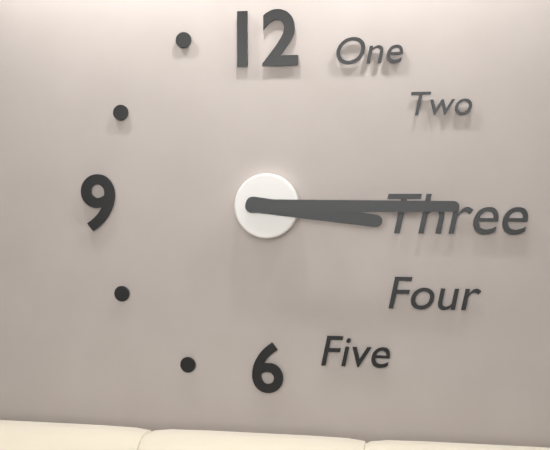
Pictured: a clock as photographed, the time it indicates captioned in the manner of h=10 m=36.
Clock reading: h=3 m=15
